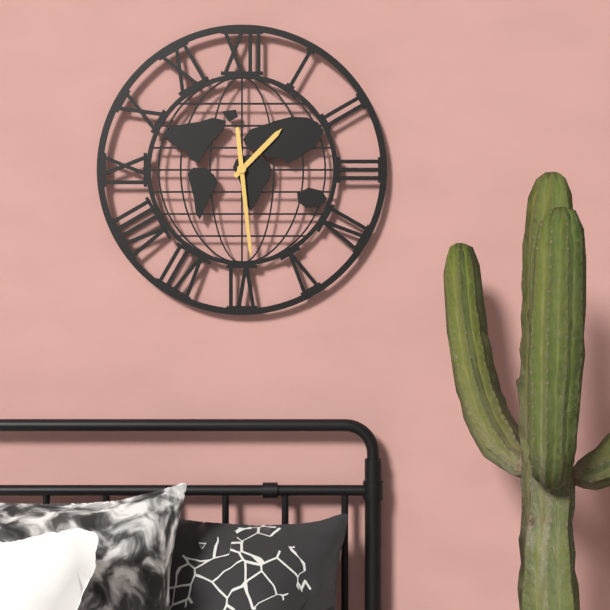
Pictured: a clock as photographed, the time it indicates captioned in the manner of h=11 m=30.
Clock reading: h=1 m=29
